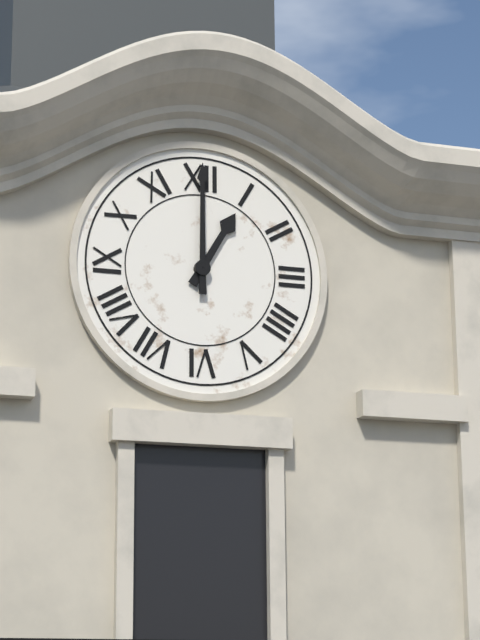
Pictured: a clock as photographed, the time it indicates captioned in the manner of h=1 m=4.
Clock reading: h=1 m=0
